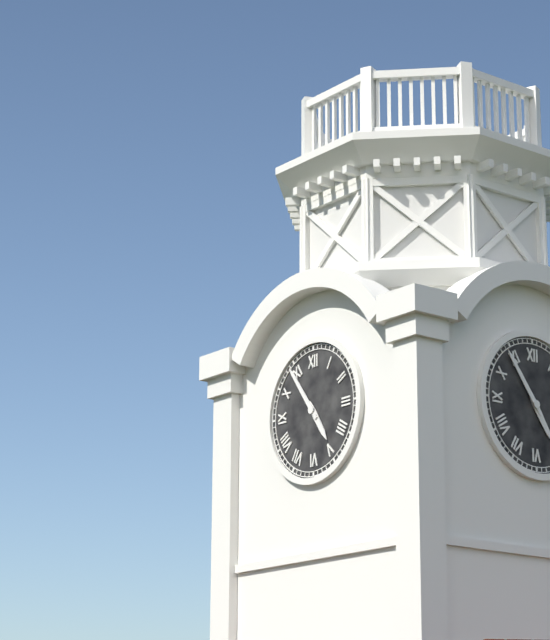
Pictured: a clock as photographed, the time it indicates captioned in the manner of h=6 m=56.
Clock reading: h=4 m=54
